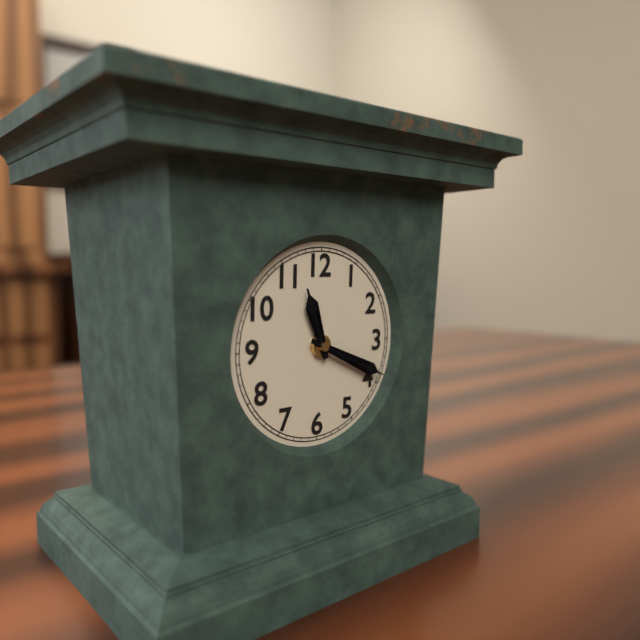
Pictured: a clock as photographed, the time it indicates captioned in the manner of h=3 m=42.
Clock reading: h=11 m=19
